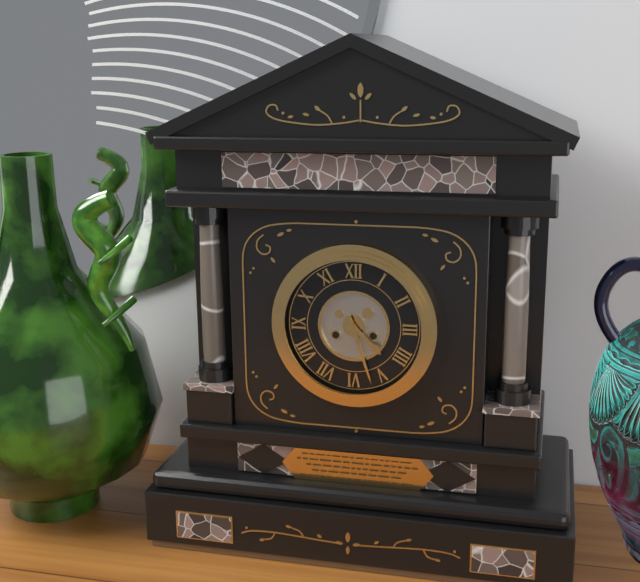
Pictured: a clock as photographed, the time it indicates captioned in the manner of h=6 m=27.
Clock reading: h=4 m=27
